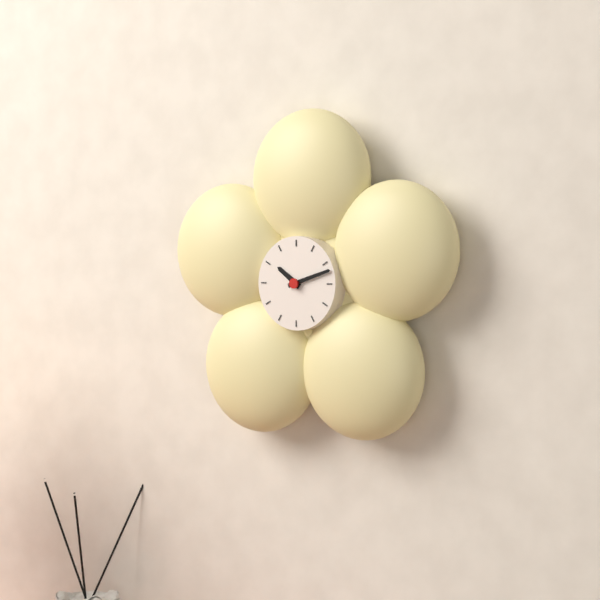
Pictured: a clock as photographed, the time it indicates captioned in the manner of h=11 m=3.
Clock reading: h=10 m=12
